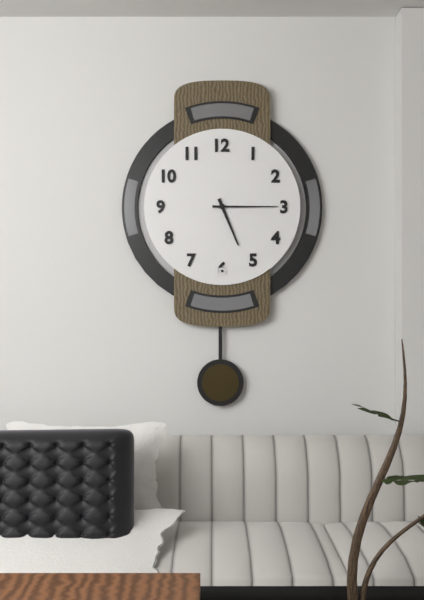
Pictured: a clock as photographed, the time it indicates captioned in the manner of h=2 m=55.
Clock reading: h=5 m=15
